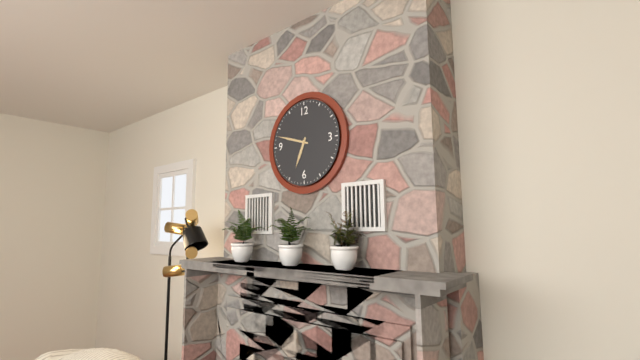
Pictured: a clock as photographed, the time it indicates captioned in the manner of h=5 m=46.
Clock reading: h=6 m=48
